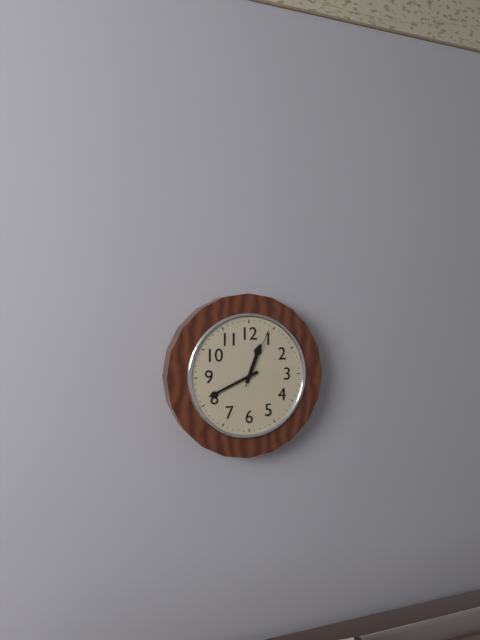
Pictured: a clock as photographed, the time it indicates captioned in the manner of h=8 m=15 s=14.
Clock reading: h=12 m=41 s=4
